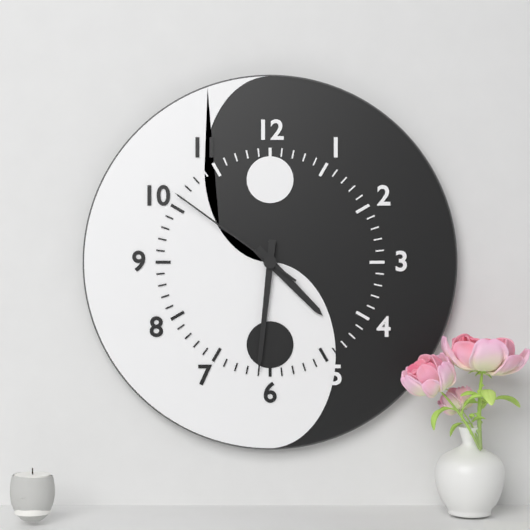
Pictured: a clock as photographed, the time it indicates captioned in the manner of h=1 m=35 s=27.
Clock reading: h=4 m=31 s=51
